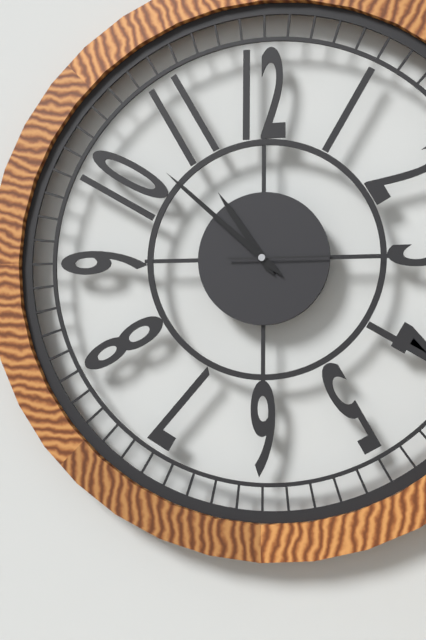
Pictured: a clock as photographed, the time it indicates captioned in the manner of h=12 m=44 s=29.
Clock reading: h=10 m=52 s=15
